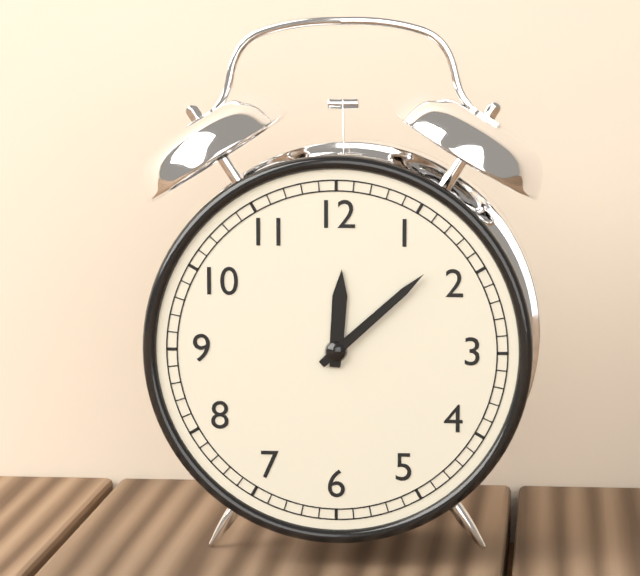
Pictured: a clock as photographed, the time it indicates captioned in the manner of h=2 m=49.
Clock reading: h=12 m=8
